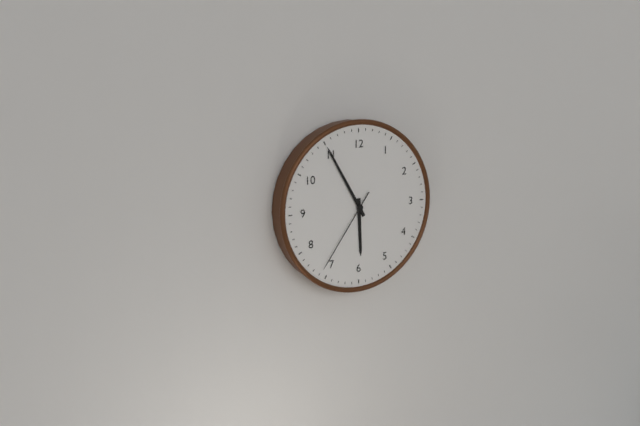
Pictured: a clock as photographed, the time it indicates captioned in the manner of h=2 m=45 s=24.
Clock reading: h=5 m=55 s=36
